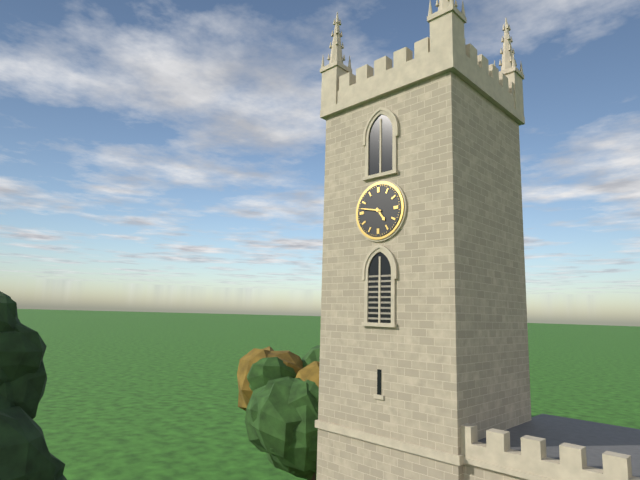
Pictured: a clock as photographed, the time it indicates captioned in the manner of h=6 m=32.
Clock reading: h=4 m=47
